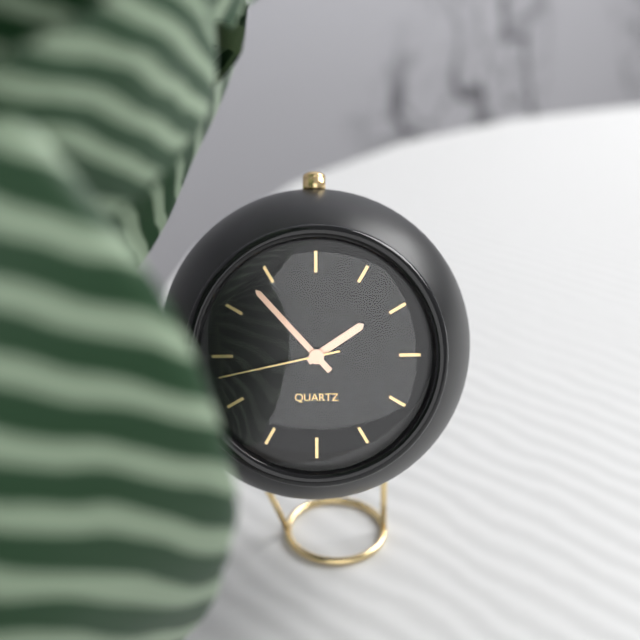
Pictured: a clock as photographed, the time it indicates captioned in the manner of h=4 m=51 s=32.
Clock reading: h=1 m=53 s=43
